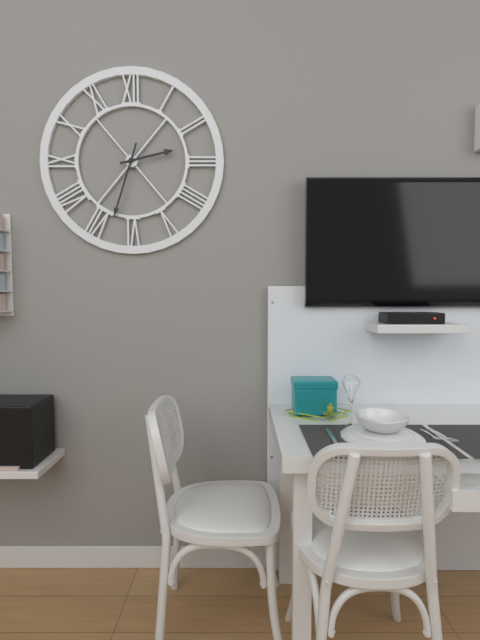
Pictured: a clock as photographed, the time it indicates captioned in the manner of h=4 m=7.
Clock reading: h=2 m=33
